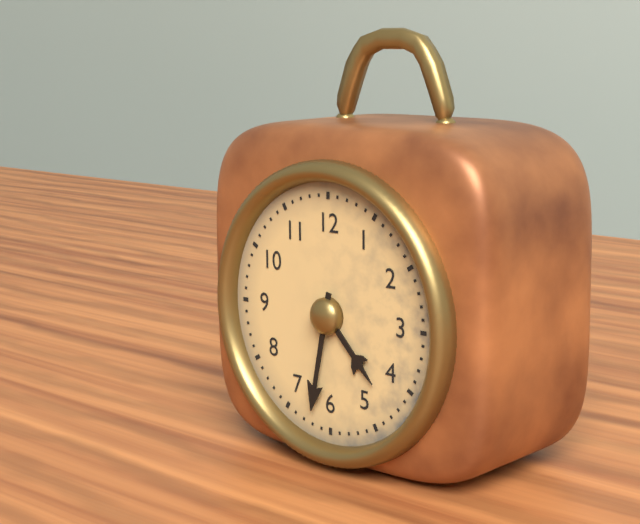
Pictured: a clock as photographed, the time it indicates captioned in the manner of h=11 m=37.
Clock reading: h=4 m=32
